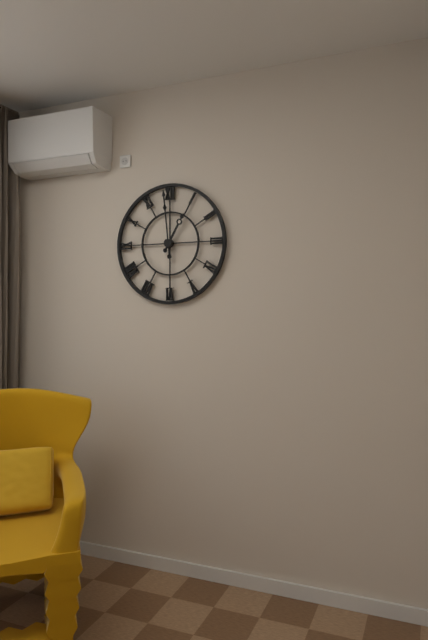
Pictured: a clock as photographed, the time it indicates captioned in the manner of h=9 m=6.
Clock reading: h=12 m=59
